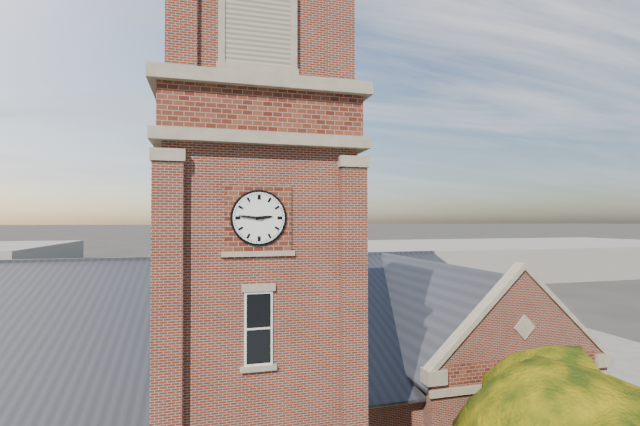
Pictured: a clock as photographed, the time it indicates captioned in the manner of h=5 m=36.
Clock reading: h=2 m=46
